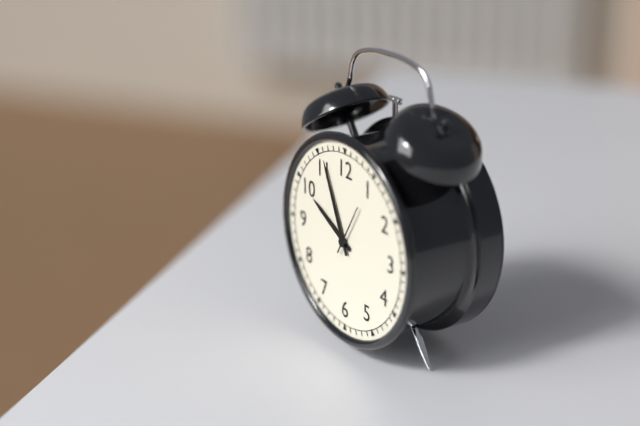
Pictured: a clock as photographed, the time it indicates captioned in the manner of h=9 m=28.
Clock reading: h=9 m=56
